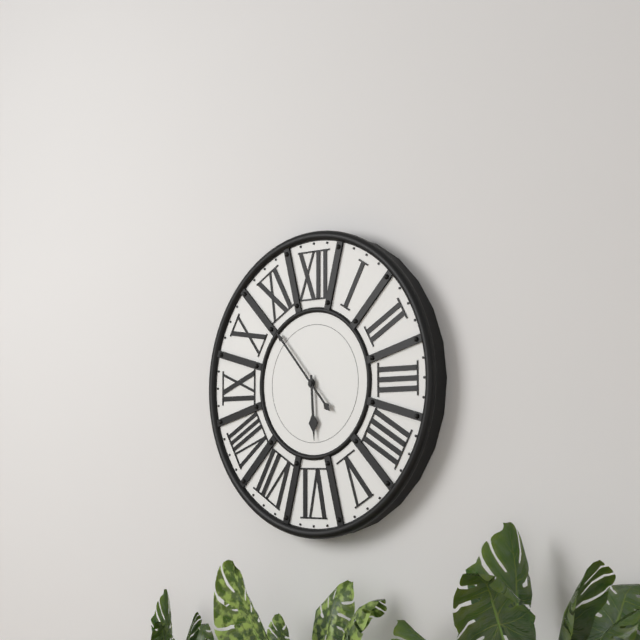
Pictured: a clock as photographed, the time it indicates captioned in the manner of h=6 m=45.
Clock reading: h=5 m=53
